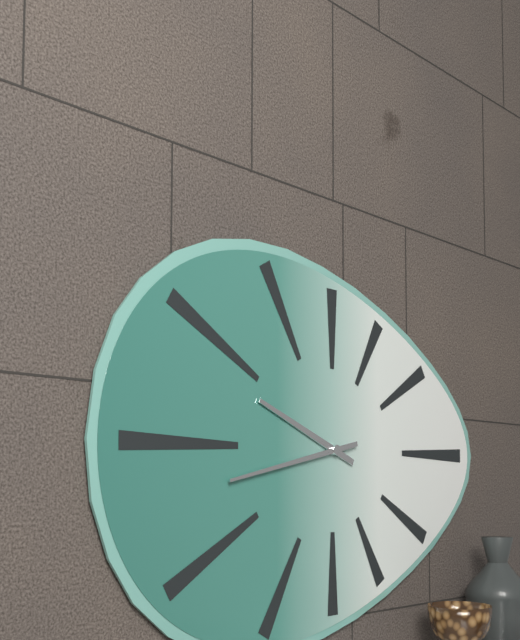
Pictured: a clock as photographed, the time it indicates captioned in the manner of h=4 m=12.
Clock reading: h=9 m=43
